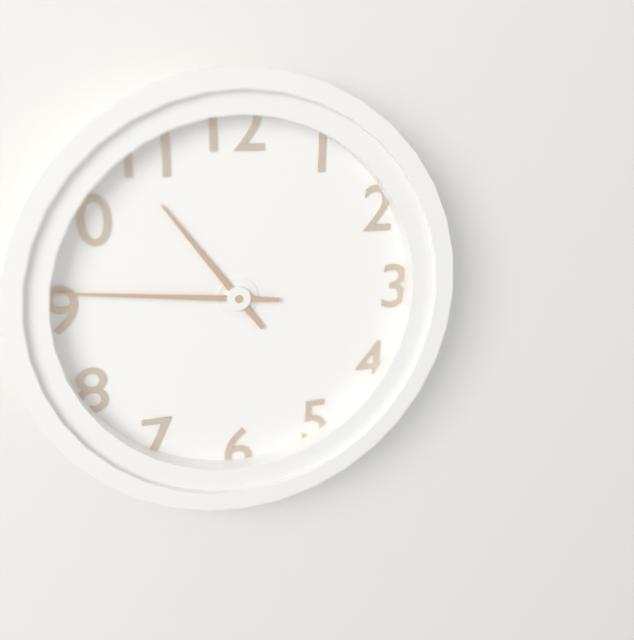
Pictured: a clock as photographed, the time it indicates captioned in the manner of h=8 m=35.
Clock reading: h=10 m=46
